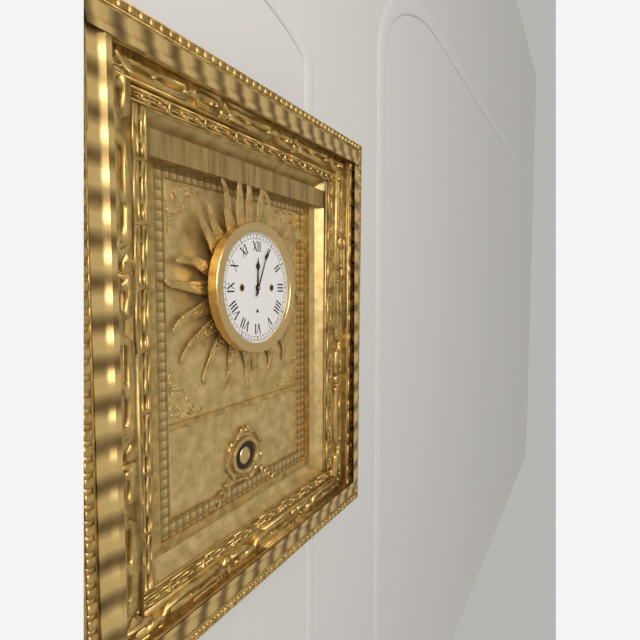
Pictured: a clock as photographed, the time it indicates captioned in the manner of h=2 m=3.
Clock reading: h=12 m=4
